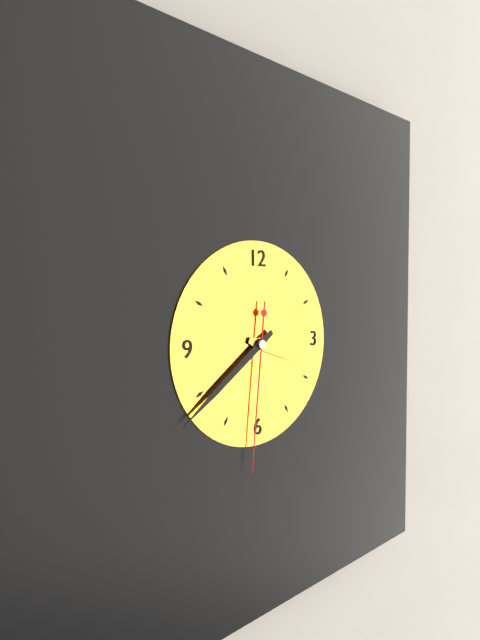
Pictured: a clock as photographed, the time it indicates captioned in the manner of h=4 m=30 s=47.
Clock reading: h=3 m=39 s=31
